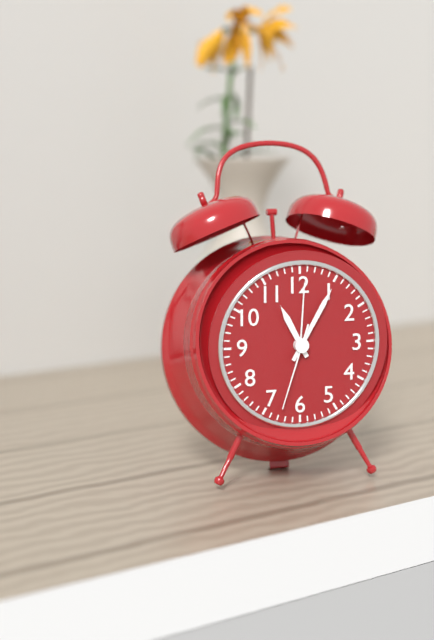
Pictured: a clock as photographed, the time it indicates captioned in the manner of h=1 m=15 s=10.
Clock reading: h=11 m=5 s=33
